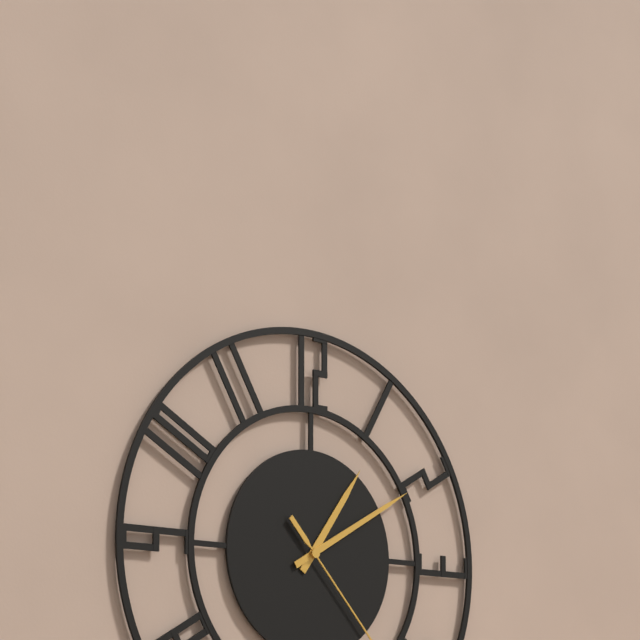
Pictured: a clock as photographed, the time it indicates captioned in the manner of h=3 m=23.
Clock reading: h=1 m=10
